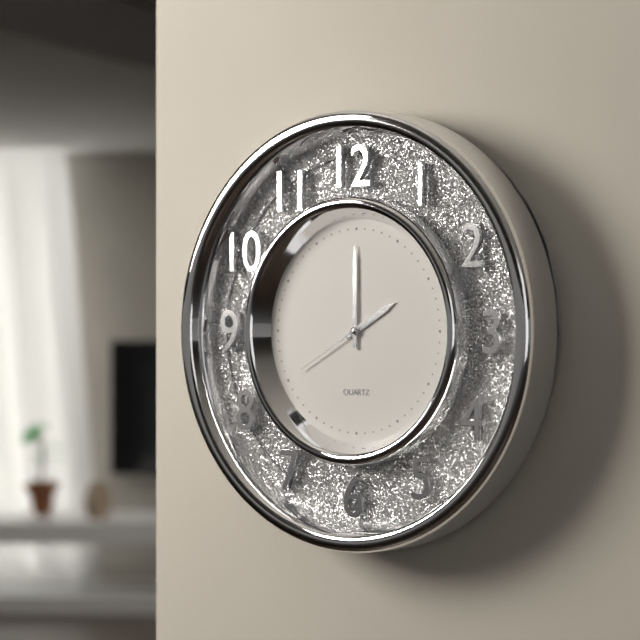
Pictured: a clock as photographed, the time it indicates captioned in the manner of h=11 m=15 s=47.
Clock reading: h=2 m=0 s=40
